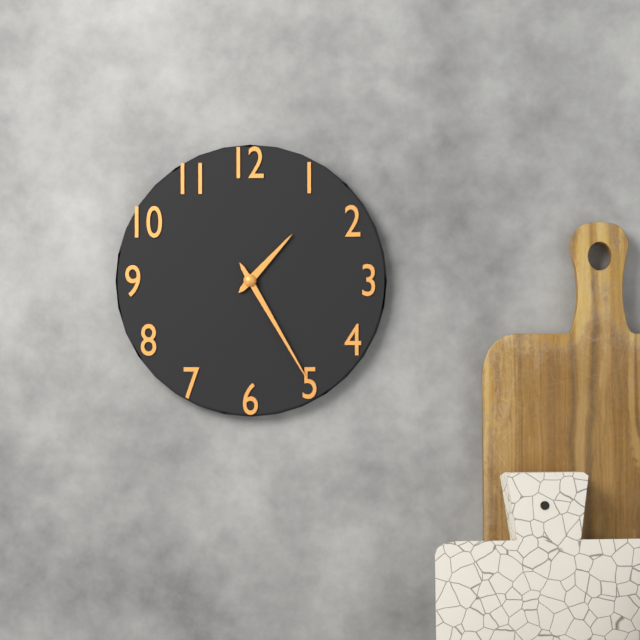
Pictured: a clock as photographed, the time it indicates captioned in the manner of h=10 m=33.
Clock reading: h=1 m=25
